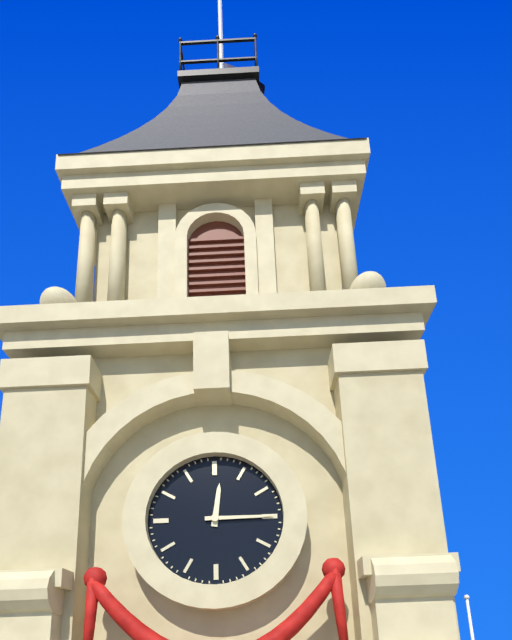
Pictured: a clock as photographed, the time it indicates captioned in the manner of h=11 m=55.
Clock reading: h=12 m=15
